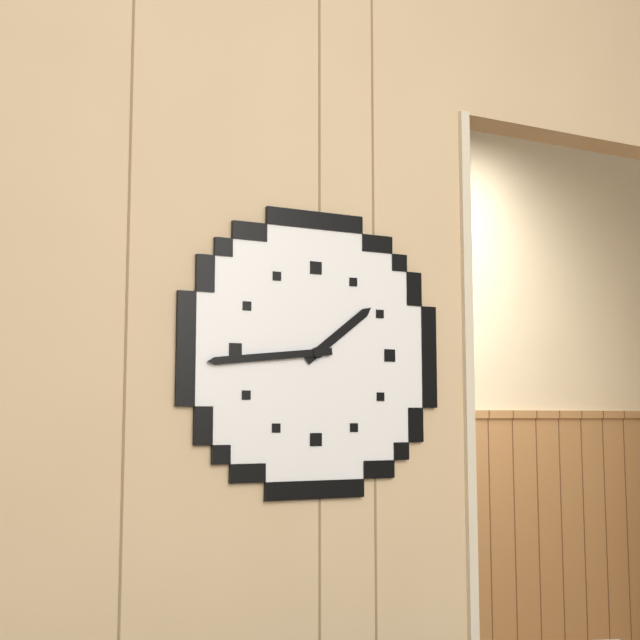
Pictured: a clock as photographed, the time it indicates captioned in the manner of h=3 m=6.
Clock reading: h=1 m=44
